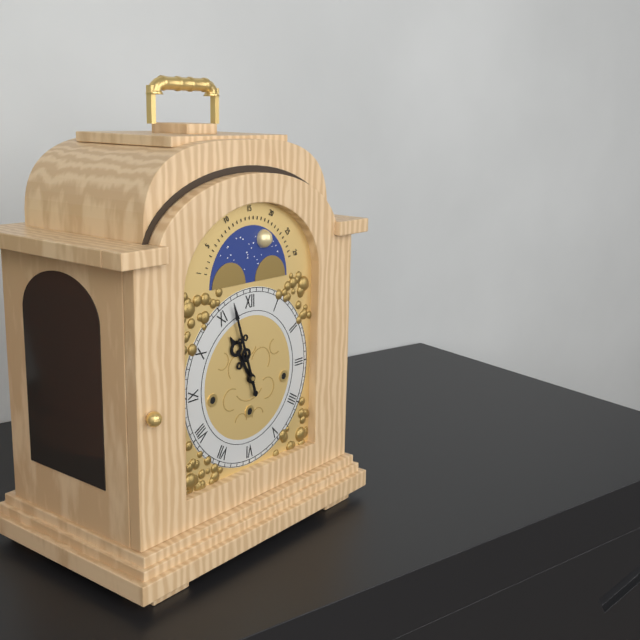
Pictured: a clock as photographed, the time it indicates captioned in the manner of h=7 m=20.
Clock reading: h=10 m=57
